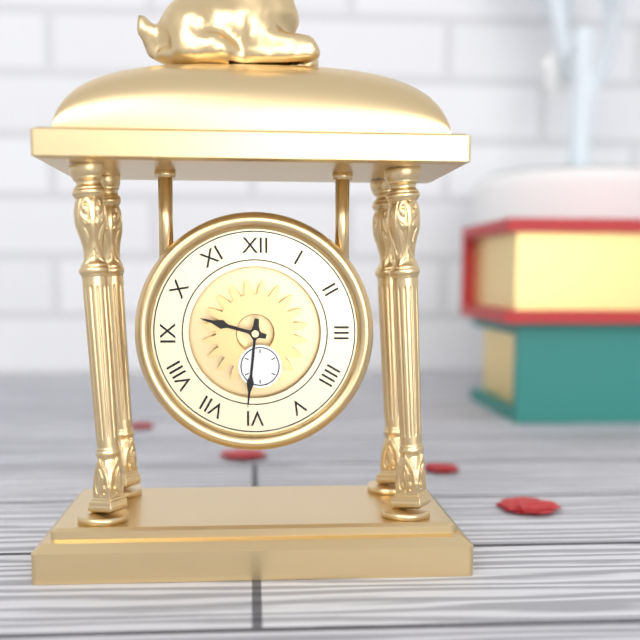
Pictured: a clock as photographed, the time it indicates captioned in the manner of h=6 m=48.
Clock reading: h=9 m=31
